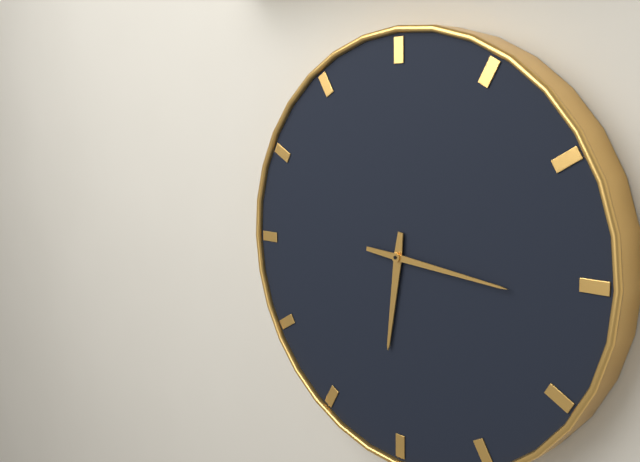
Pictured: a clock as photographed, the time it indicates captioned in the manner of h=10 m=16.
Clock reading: h=6 m=16
